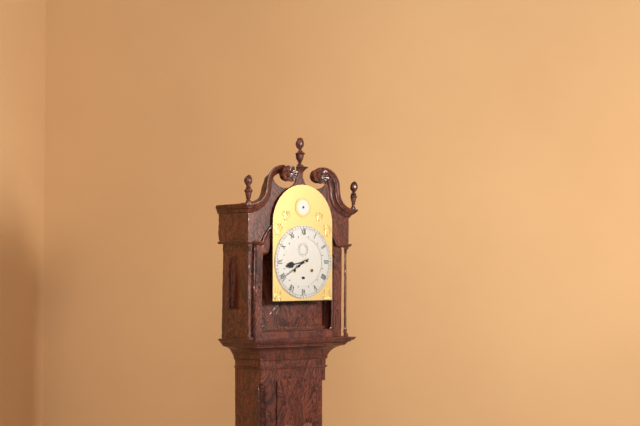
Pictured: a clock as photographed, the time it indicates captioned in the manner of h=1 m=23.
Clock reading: h=8 m=40
